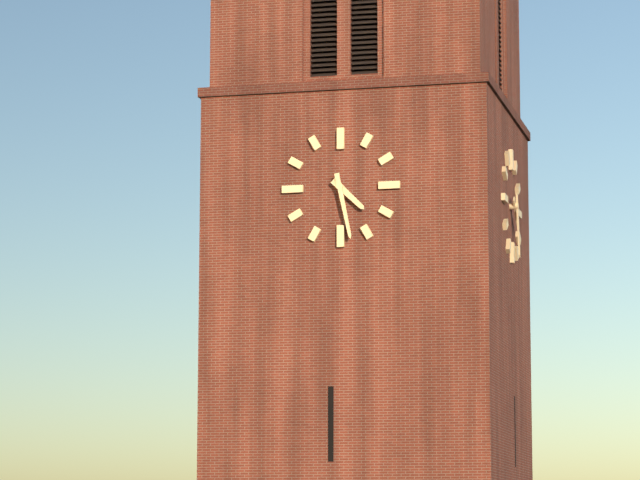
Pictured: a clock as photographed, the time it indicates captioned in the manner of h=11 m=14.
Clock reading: h=4 m=28
